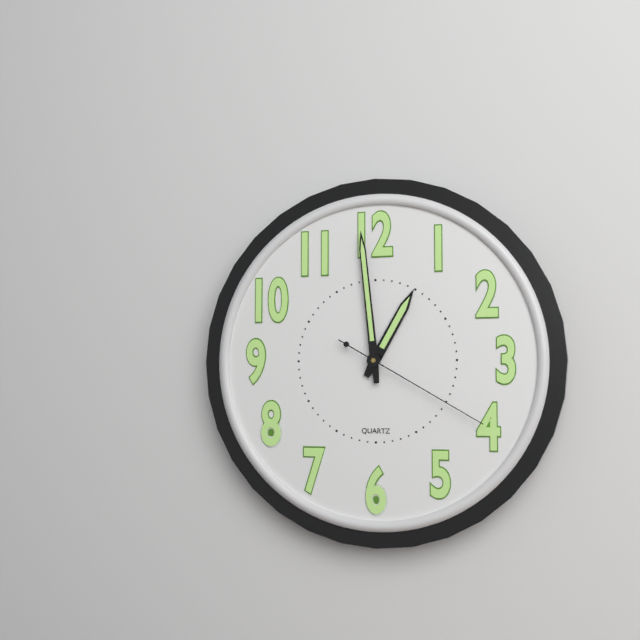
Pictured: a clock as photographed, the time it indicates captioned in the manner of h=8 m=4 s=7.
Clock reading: h=12 m=59 s=20
